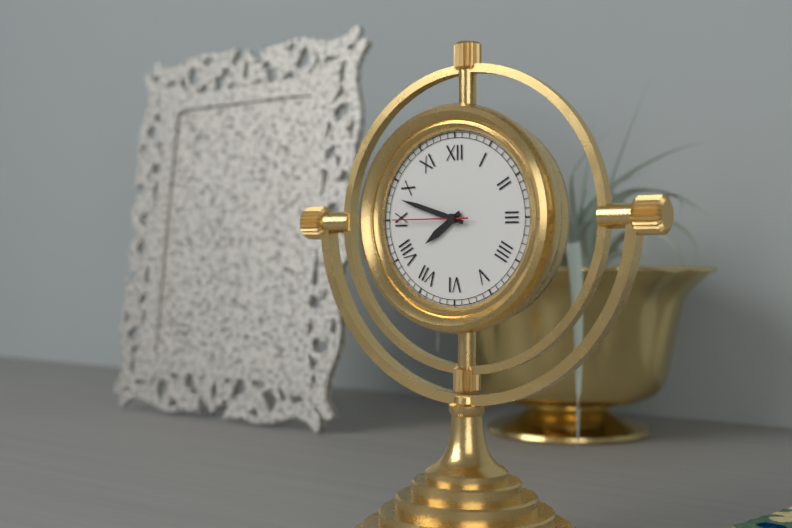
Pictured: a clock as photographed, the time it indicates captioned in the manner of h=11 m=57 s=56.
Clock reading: h=7 m=48 s=45
